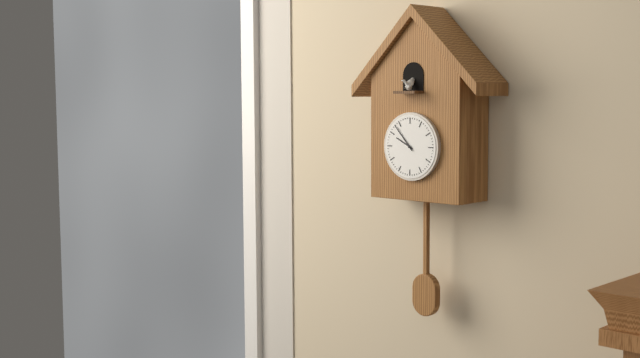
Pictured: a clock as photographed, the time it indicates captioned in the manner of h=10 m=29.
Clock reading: h=9 m=53
